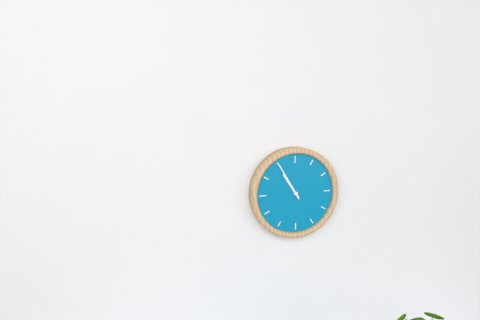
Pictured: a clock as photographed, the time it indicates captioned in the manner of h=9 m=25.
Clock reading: h=10 m=55
